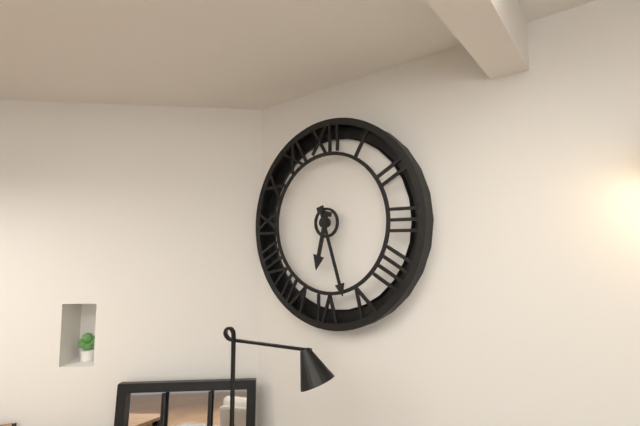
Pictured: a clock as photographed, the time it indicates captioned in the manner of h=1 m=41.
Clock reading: h=6 m=27
